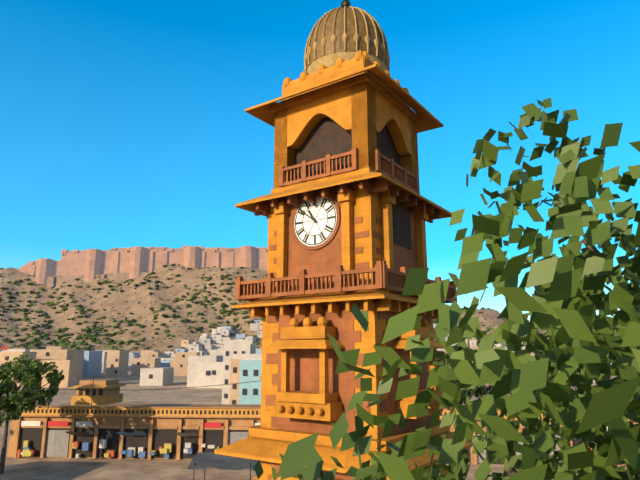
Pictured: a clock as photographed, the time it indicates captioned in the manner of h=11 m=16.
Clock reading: h=10 m=51
